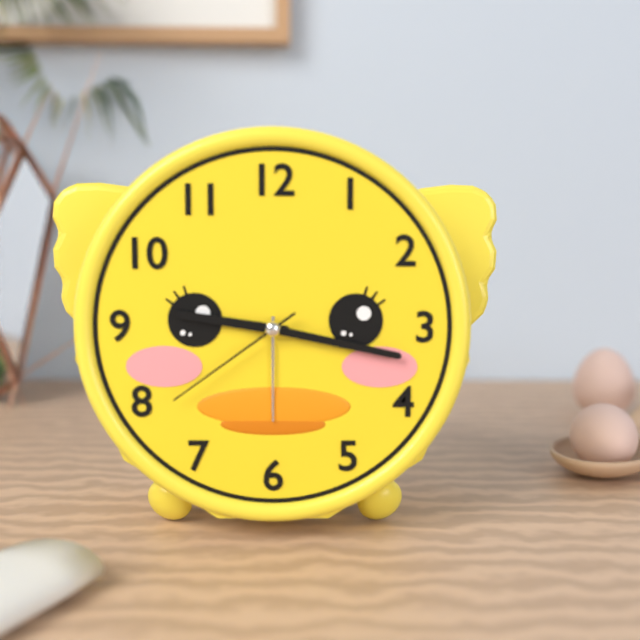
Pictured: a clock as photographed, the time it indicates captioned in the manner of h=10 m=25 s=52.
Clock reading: h=9 m=17 s=39
